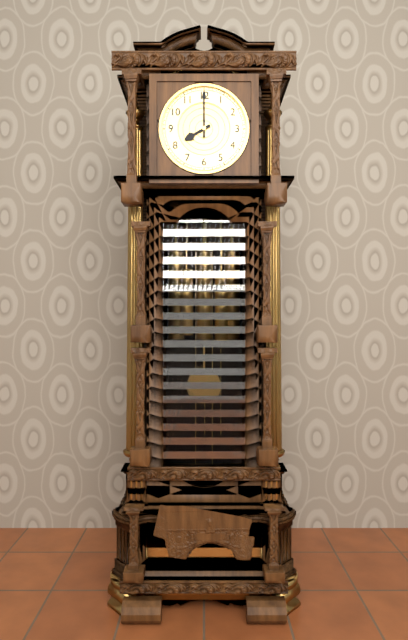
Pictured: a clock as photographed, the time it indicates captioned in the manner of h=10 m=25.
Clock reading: h=8 m=0
